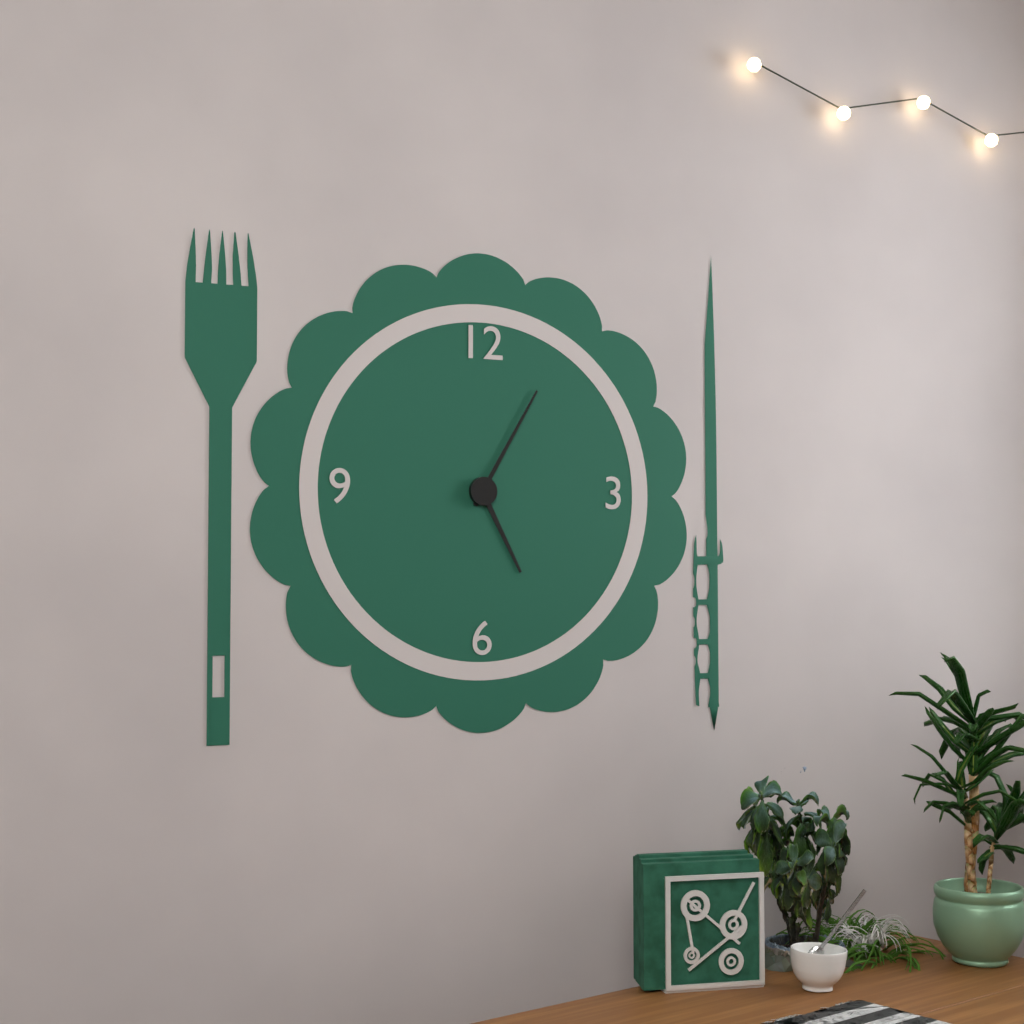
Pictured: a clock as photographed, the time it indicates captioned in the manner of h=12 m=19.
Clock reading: h=5 m=5
